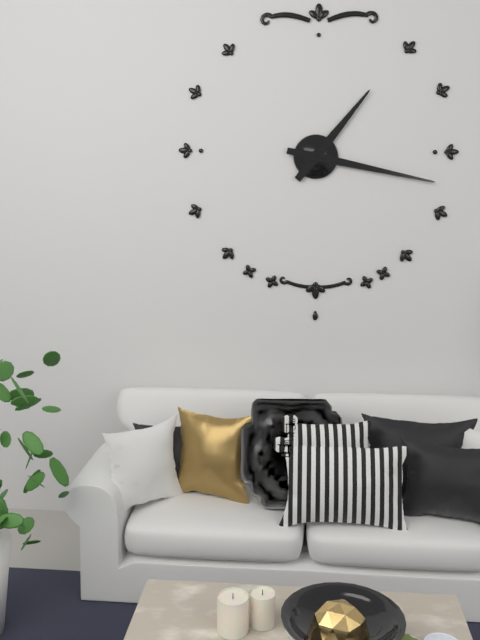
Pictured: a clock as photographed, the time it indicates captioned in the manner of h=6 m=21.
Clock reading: h=1 m=17
